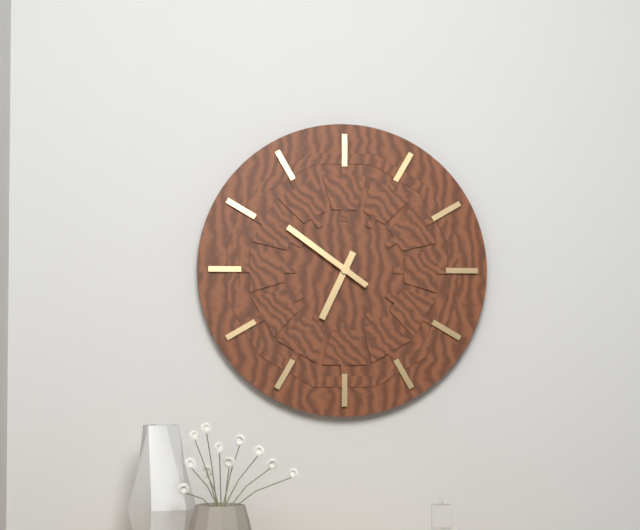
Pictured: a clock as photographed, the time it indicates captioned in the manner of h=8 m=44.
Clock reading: h=6 m=51
